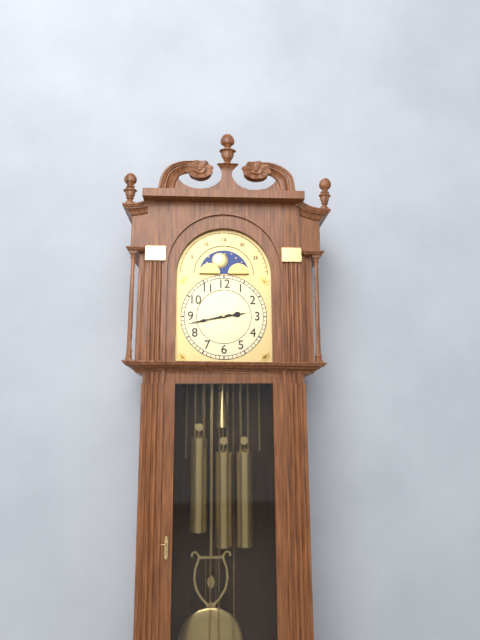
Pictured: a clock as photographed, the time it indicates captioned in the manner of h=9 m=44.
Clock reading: h=2 m=43
